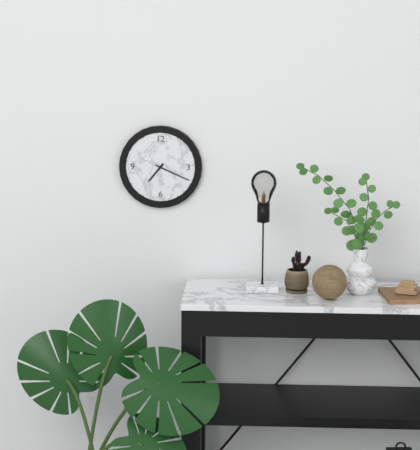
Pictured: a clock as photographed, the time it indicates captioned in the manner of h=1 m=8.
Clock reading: h=7 m=19
